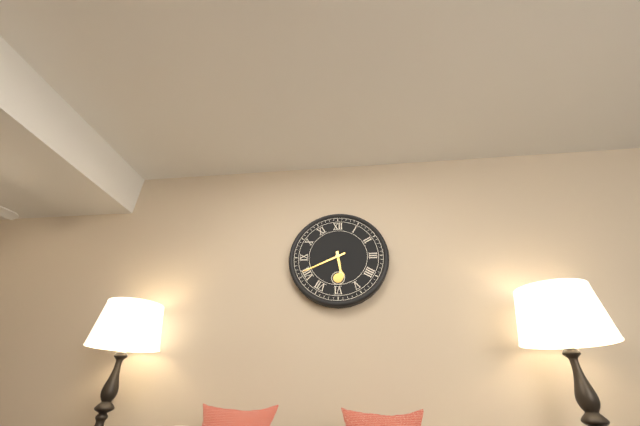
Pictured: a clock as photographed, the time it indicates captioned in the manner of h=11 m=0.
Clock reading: h=5 m=41
